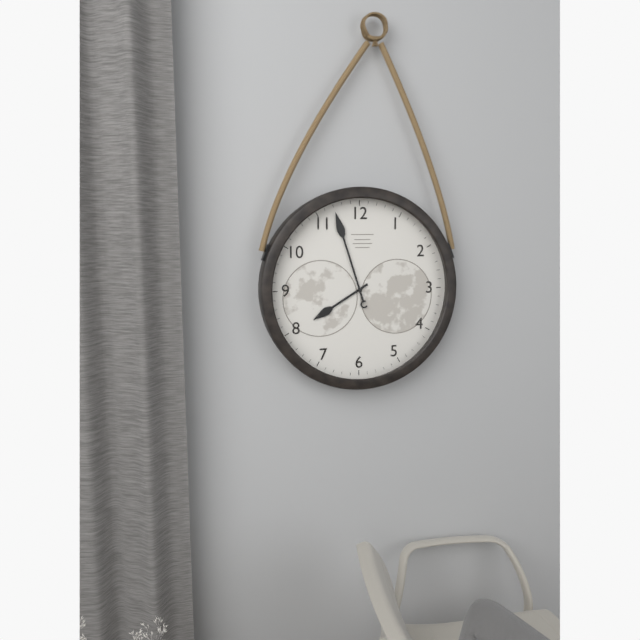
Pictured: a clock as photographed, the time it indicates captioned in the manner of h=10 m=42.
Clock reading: h=7 m=57
